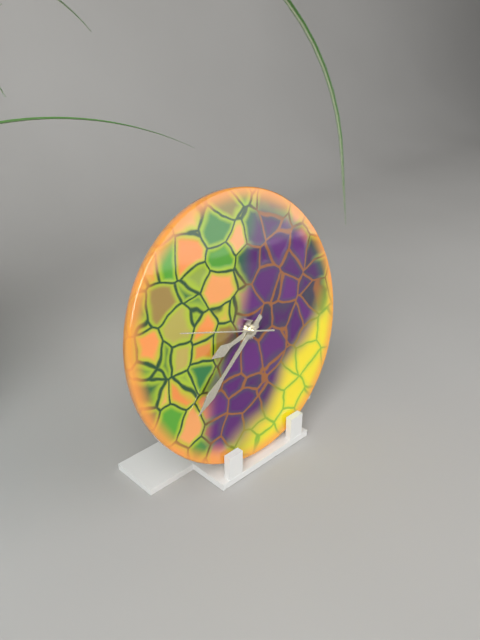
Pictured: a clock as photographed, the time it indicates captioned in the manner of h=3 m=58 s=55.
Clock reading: h=8 m=39 s=48
